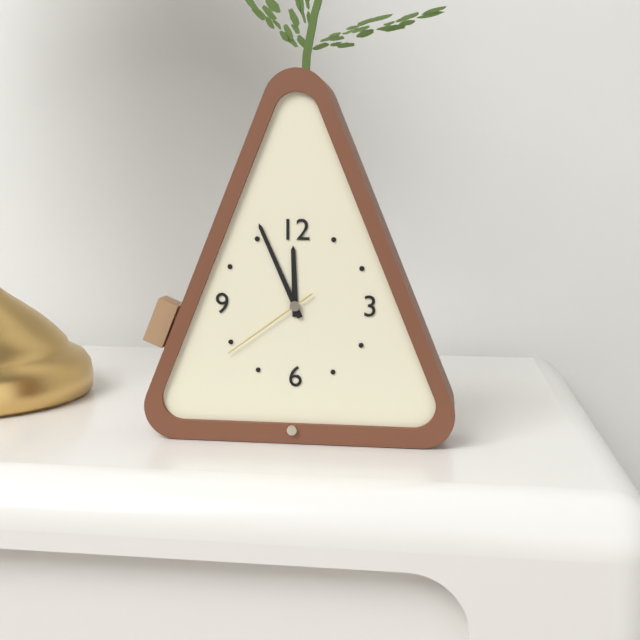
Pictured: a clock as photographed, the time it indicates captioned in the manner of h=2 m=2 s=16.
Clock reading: h=11 m=56 s=39
